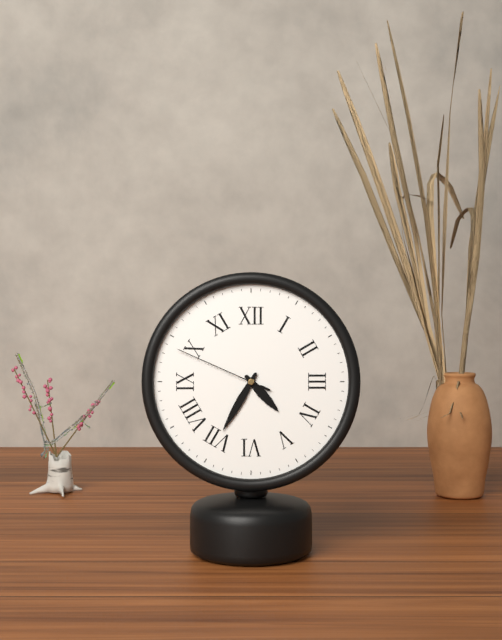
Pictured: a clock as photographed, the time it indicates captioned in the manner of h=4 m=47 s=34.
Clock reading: h=4 m=35 s=49
